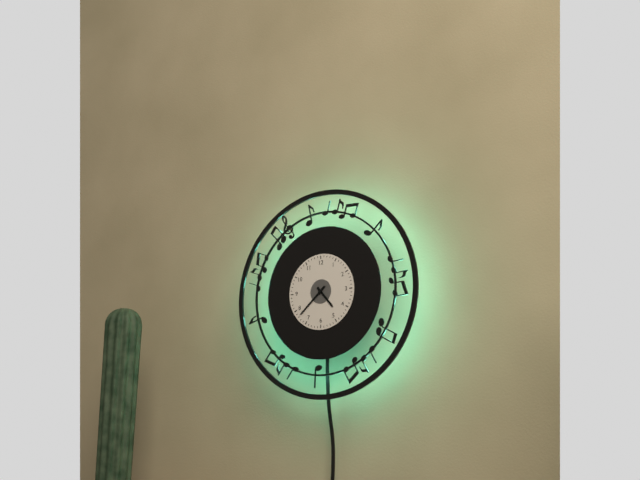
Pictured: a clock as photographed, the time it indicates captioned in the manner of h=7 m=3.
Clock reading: h=4 m=38
